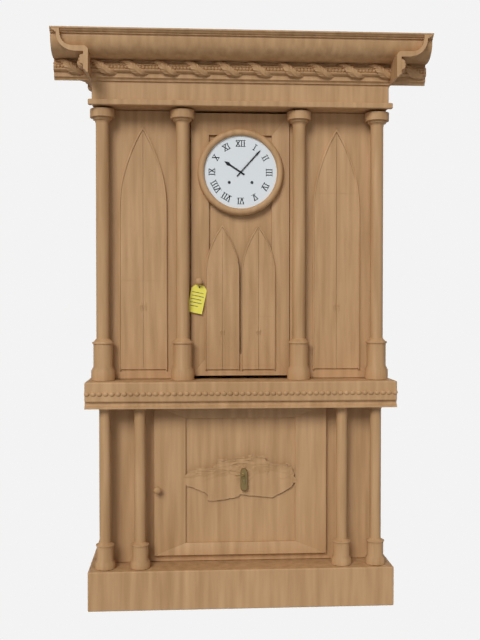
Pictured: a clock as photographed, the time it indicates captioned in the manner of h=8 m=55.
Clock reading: h=10 m=7
